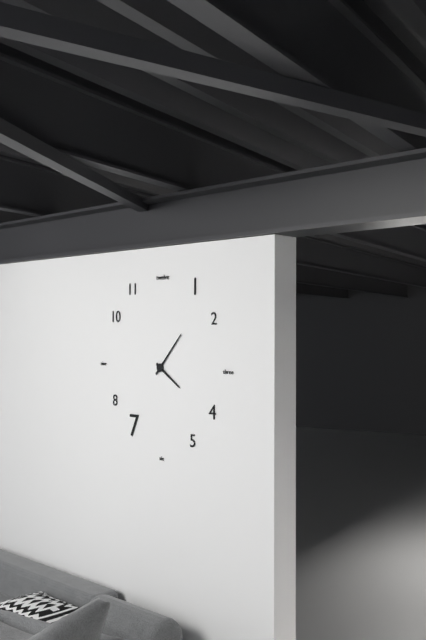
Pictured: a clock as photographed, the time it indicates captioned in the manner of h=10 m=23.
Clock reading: h=4 m=7
